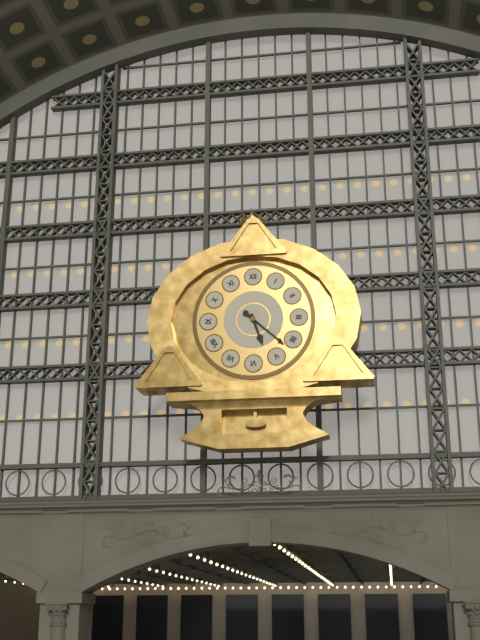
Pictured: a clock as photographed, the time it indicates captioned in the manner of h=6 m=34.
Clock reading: h=5 m=22
